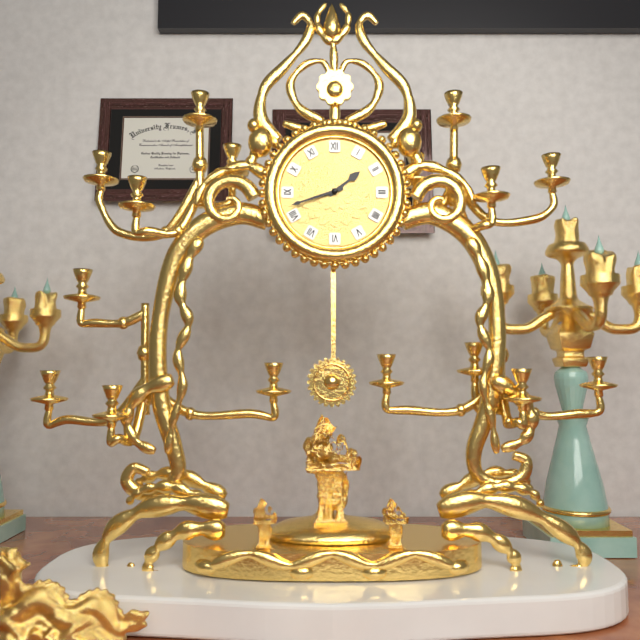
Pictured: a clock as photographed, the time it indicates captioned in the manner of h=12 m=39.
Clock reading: h=1 m=42
